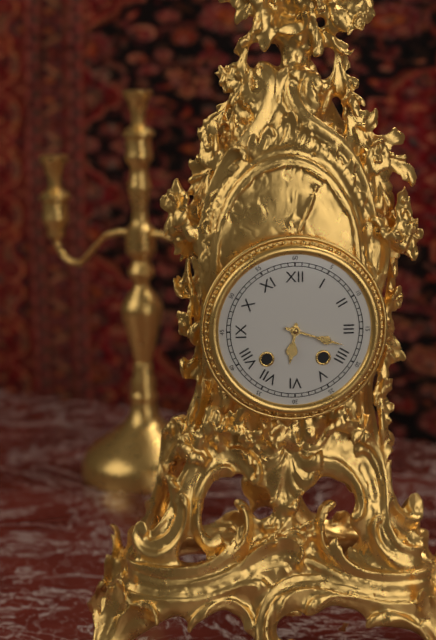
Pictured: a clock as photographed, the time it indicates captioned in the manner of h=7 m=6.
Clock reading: h=6 m=18
